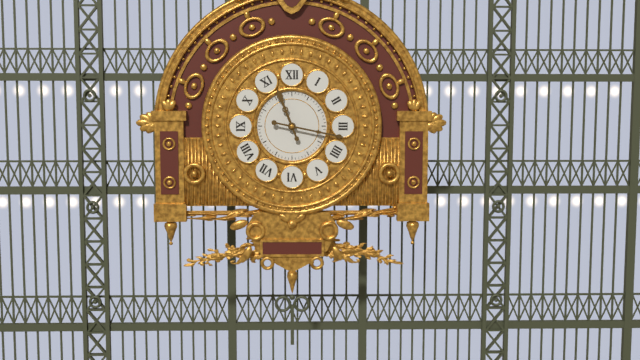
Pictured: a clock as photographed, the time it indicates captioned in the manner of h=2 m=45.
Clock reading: h=11 m=17
